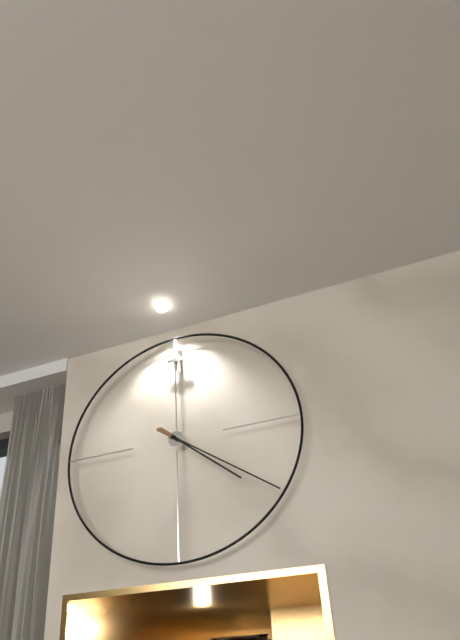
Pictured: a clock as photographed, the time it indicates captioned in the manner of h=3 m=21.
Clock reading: h=4 m=21
